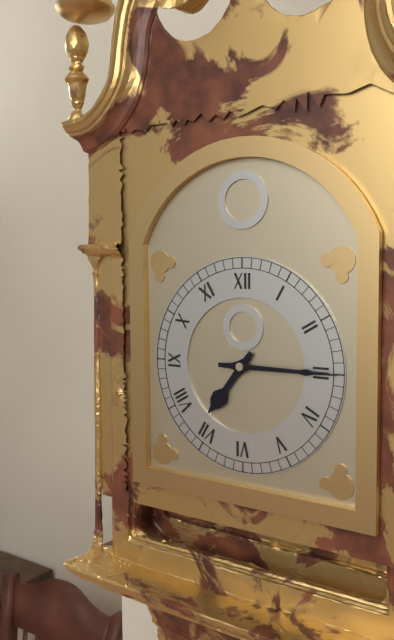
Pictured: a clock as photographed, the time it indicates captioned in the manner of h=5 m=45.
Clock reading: h=7 m=15
